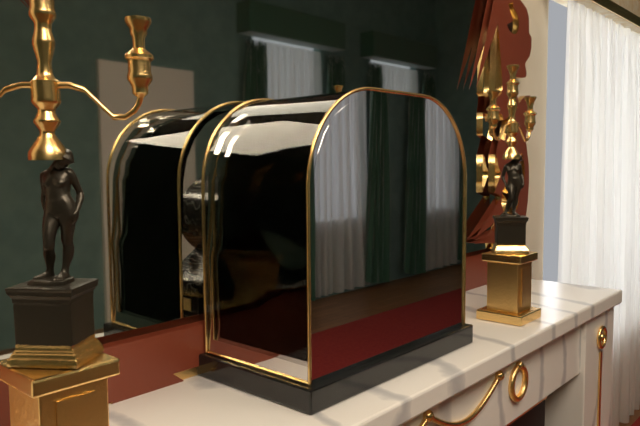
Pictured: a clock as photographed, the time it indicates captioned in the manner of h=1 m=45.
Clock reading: h=5 m=40
